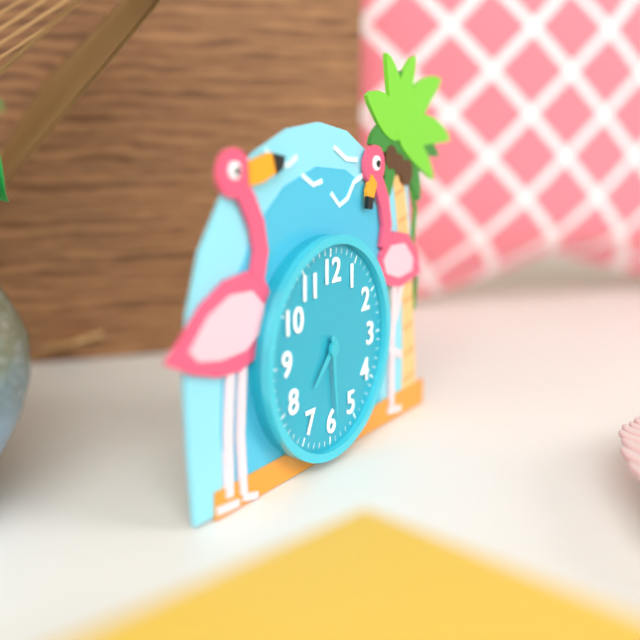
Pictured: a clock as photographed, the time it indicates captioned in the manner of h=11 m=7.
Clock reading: h=7 m=29
